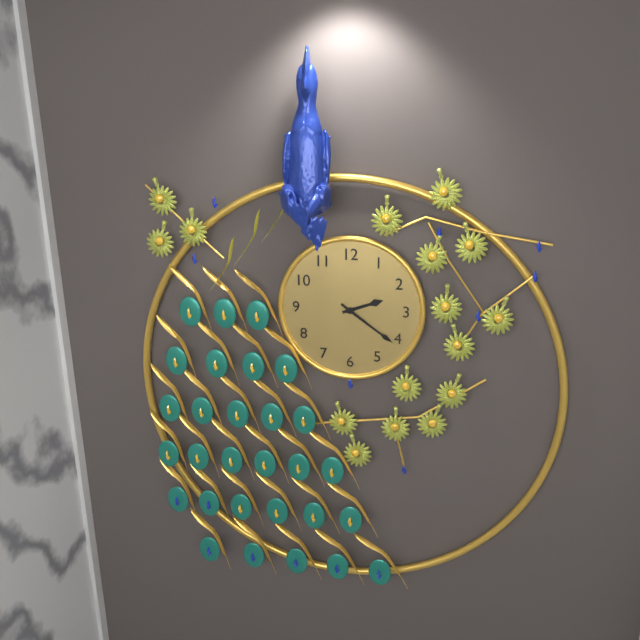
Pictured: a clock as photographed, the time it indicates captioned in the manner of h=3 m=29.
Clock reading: h=2 m=21
